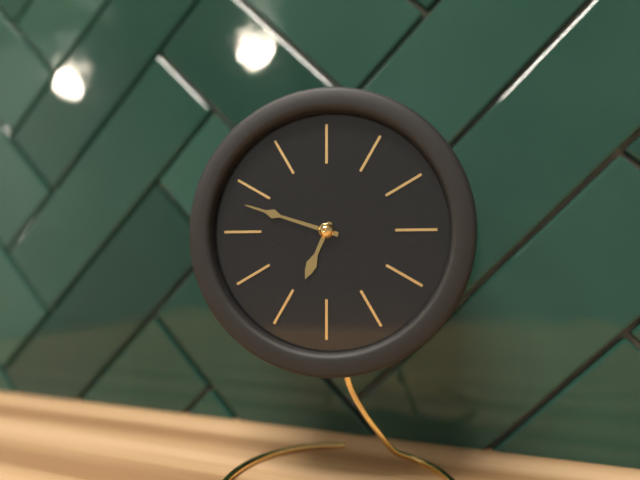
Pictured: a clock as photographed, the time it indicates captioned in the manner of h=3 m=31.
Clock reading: h=6 m=48
